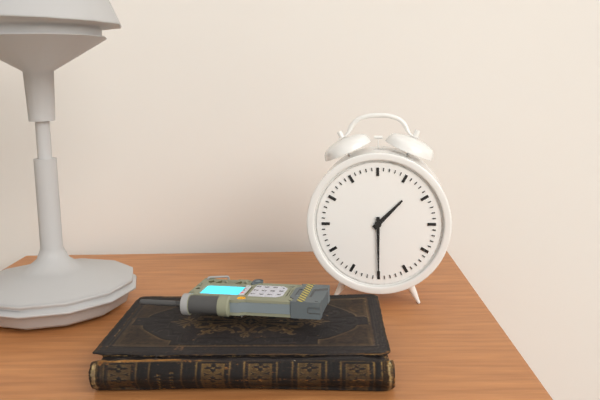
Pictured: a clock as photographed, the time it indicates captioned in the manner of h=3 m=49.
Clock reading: h=1 m=30
